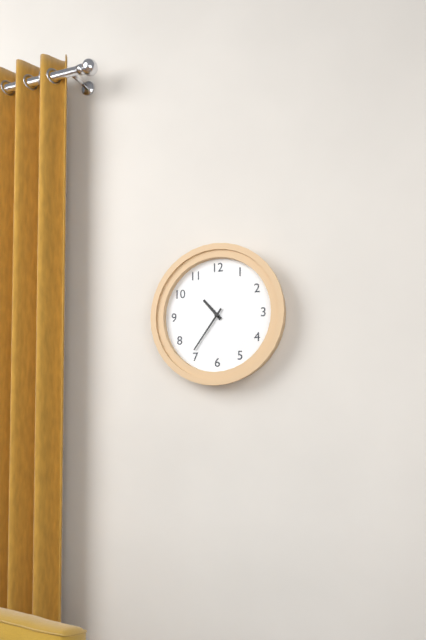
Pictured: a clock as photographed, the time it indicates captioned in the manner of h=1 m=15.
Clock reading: h=10 m=36
